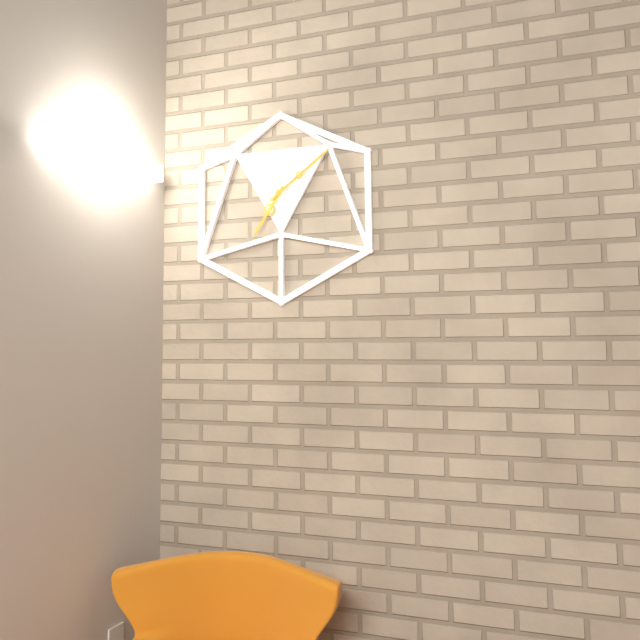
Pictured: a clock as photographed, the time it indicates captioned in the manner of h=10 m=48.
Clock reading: h=7 m=9
